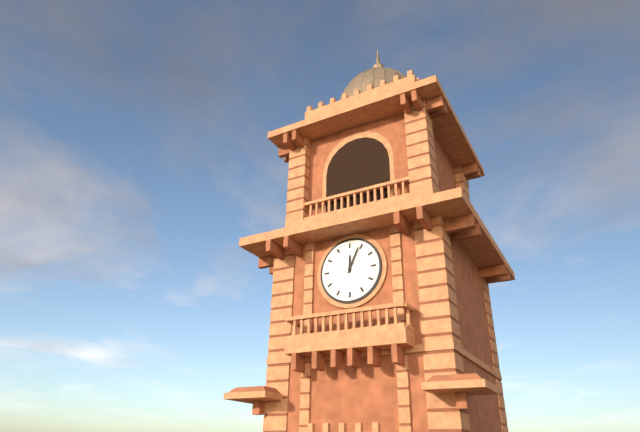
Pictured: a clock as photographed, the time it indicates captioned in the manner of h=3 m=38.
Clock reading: h=12 m=4
